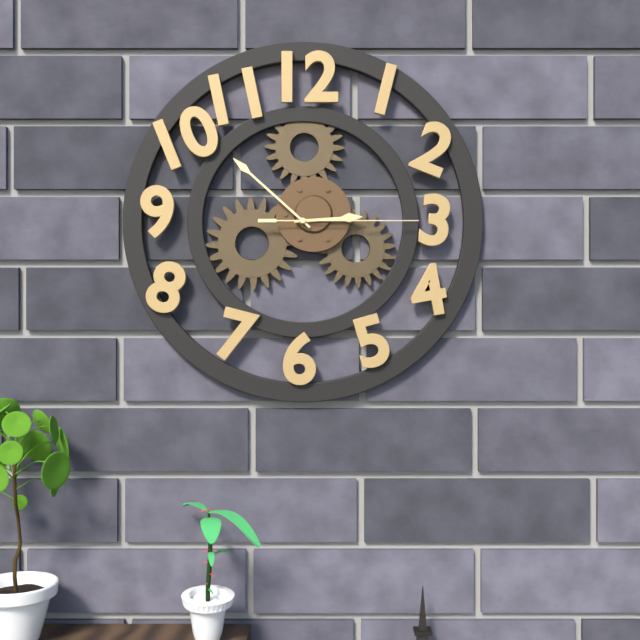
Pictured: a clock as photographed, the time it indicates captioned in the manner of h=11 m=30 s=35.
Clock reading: h=2 m=52 s=15
